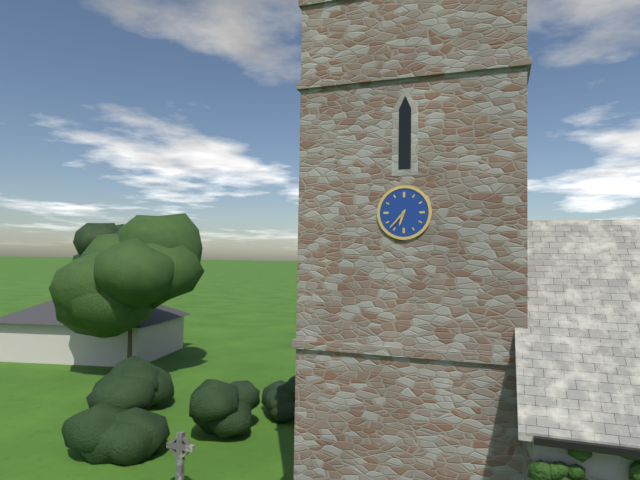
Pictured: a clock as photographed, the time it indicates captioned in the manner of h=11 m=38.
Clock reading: h=6 m=37
